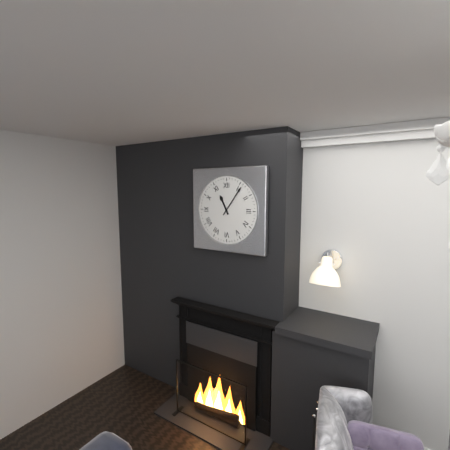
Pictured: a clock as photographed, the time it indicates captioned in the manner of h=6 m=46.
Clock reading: h=11 m=6
